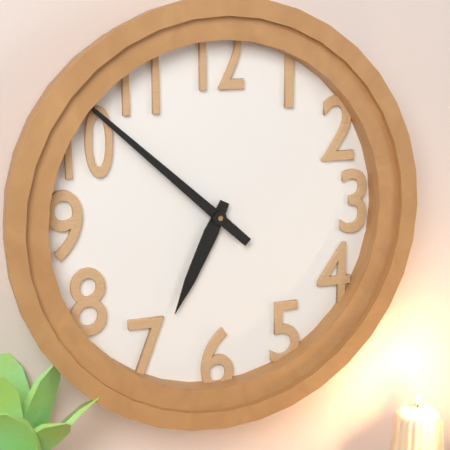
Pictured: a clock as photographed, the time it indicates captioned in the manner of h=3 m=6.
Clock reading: h=6 m=52
